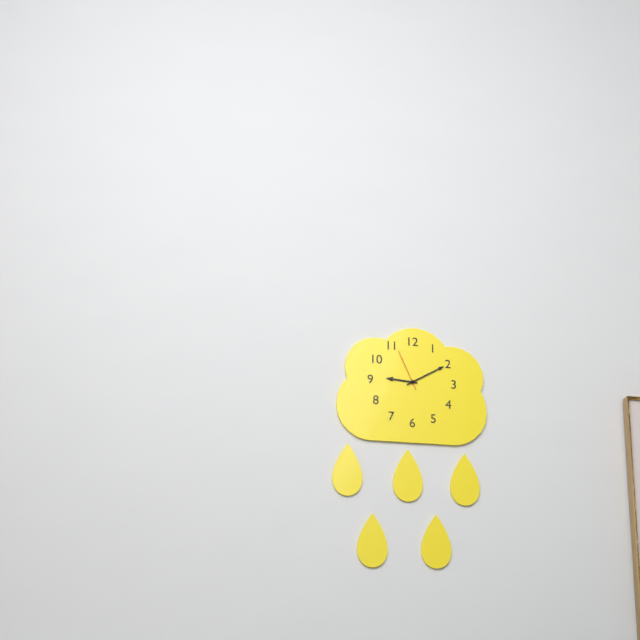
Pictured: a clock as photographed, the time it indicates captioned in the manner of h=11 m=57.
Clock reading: h=9 m=10
